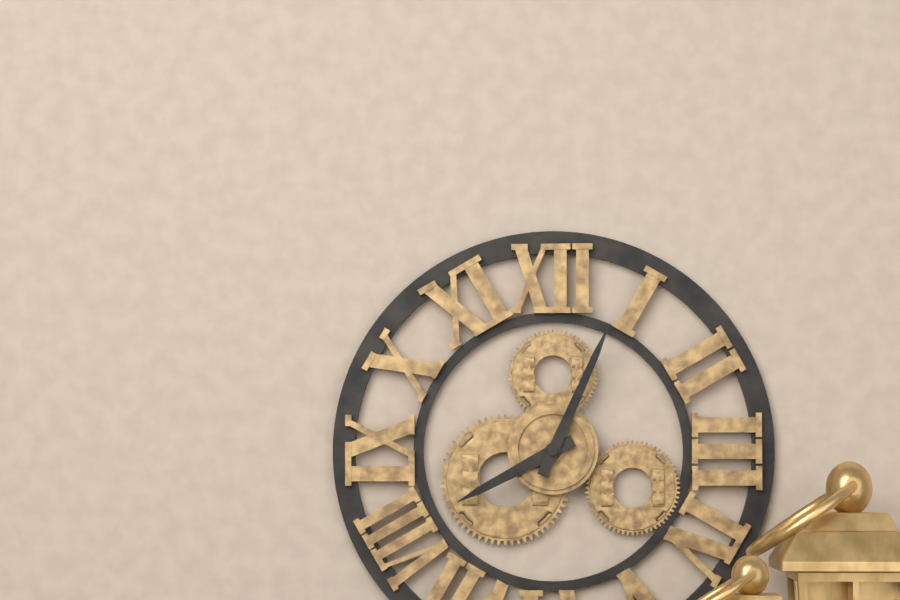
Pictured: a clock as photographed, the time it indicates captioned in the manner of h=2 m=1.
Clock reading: h=8 m=4
